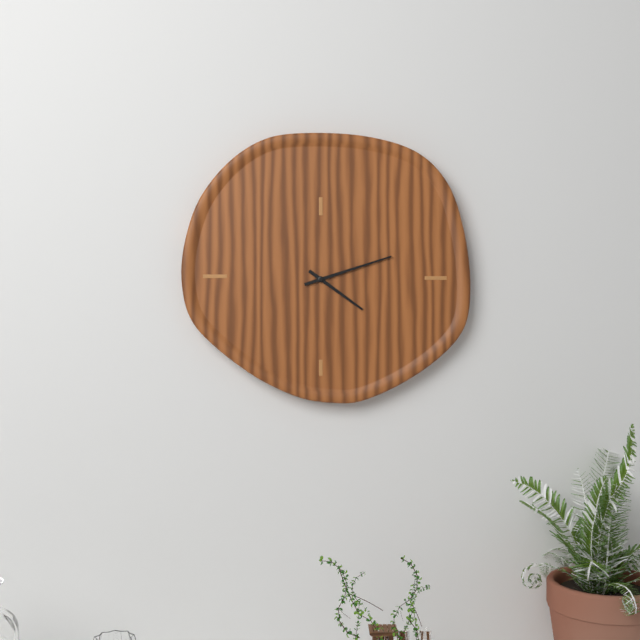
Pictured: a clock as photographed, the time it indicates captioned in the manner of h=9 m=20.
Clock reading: h=4 m=12
